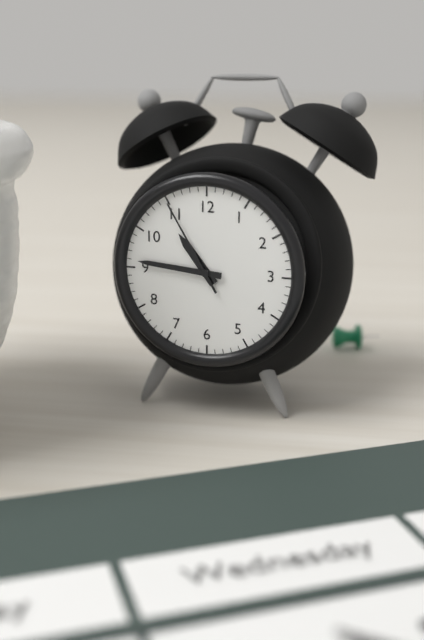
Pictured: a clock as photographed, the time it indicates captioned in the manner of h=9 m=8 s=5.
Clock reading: h=10 m=46 s=55
